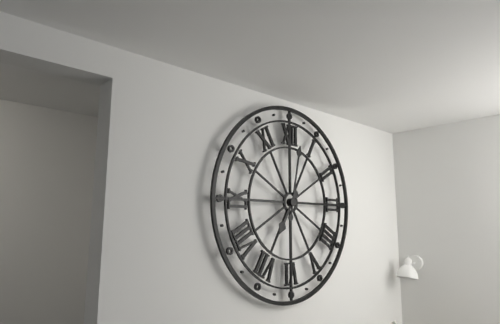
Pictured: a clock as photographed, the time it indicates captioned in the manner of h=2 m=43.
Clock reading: h=7 m=2
